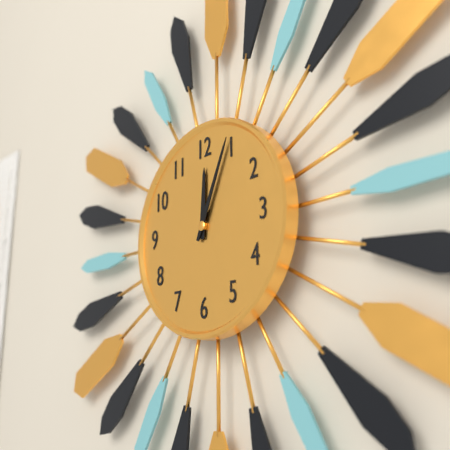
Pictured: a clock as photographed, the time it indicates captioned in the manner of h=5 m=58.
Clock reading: h=12 m=4
